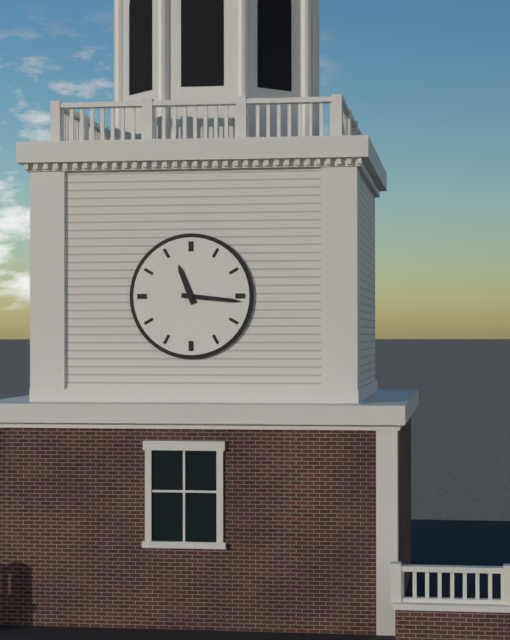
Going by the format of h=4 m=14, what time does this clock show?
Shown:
h=11 m=16
